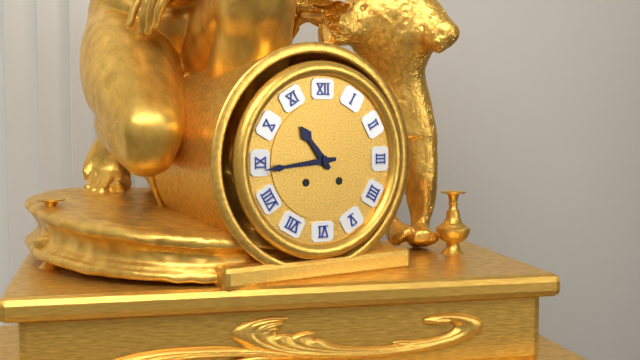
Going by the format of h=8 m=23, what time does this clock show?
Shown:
h=10 m=44
